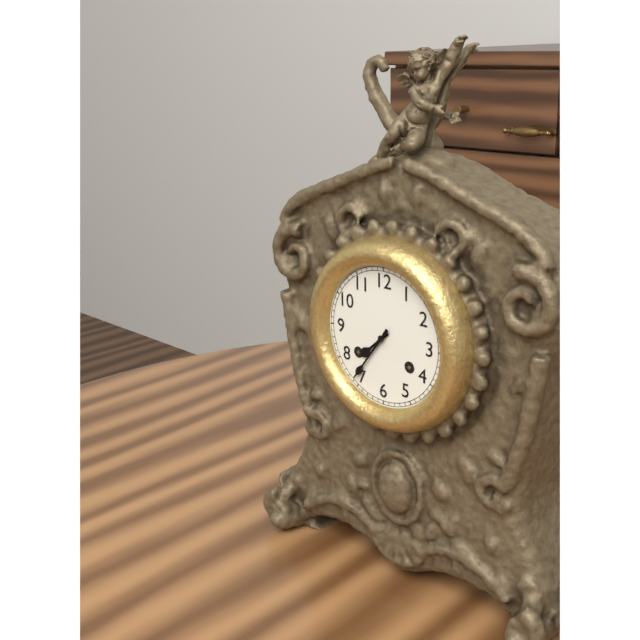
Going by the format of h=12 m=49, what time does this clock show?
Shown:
h=7 m=36
